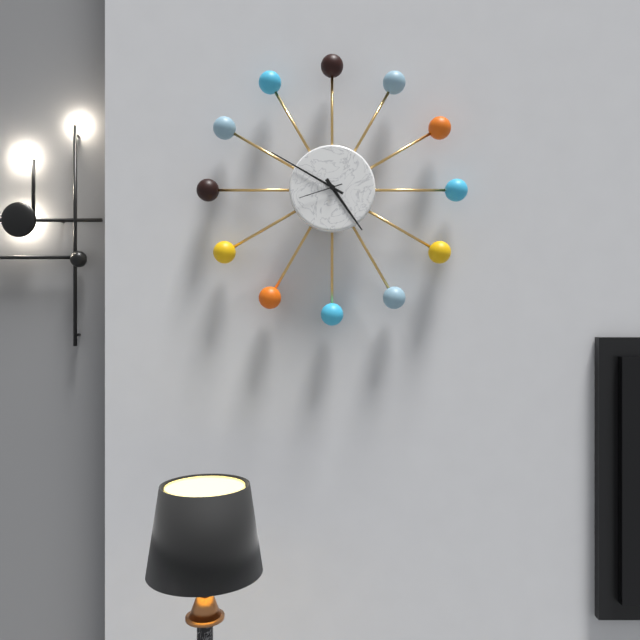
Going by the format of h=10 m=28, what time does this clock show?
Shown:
h=4 m=50
